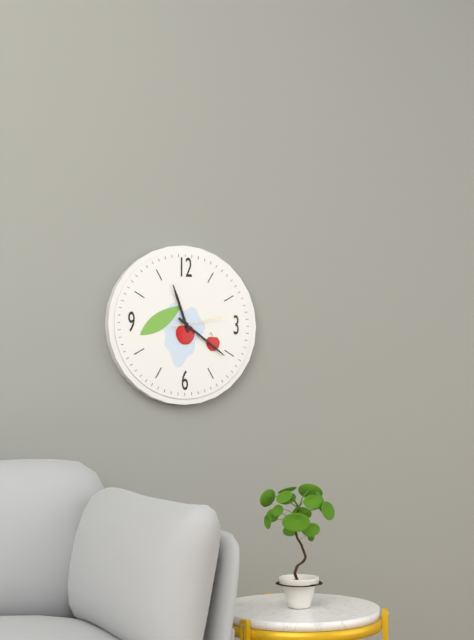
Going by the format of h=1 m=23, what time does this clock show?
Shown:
h=11 m=21
